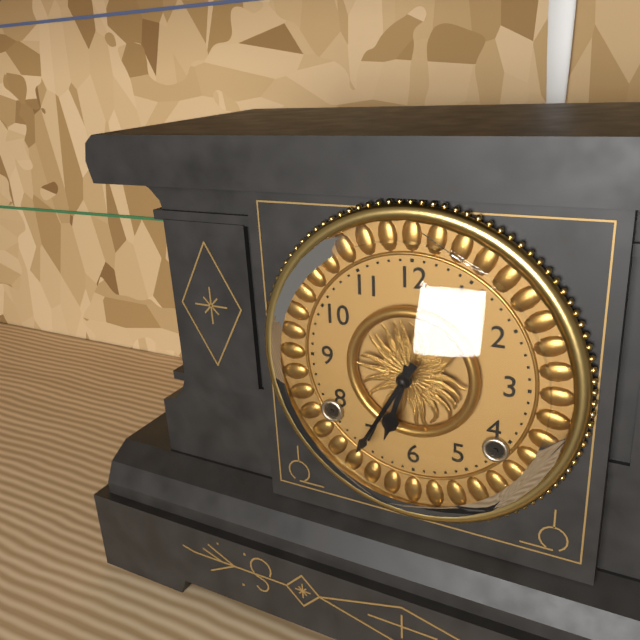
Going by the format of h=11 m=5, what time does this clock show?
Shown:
h=6 m=35
